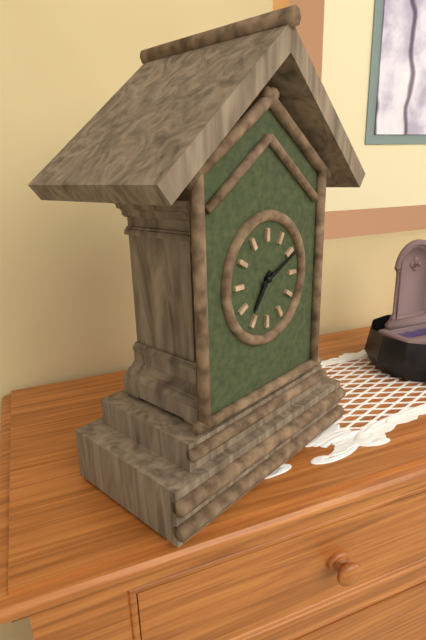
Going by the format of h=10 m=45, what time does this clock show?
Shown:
h=7 m=11
